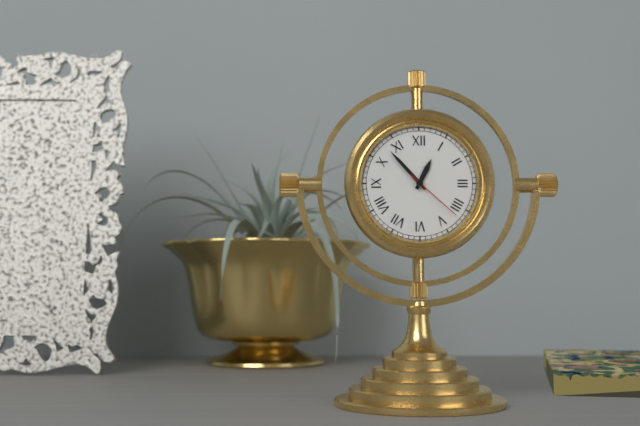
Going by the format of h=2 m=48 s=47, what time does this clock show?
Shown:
h=12 m=53 s=22
